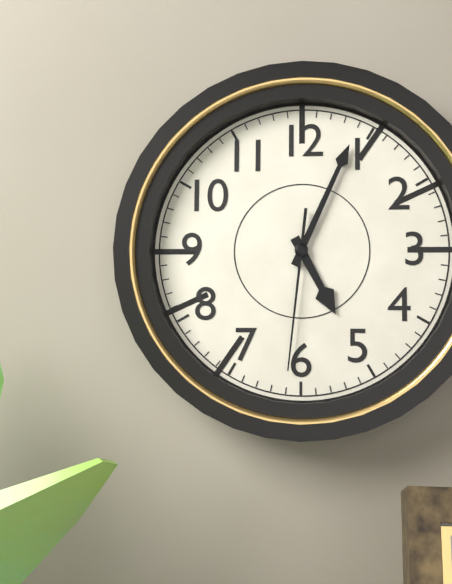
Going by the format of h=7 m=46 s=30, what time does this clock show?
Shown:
h=5 m=4 s=31
